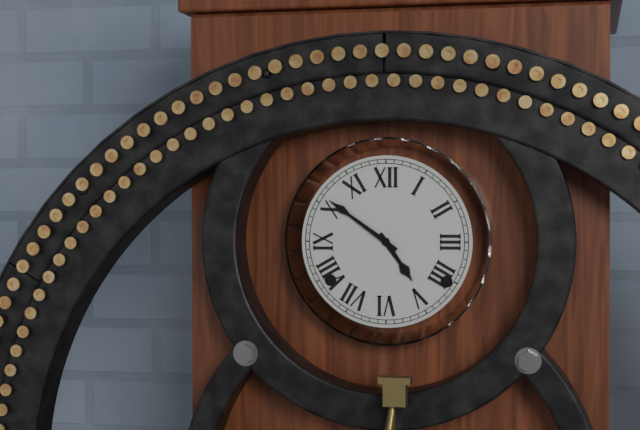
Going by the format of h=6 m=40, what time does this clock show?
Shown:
h=4 m=51
